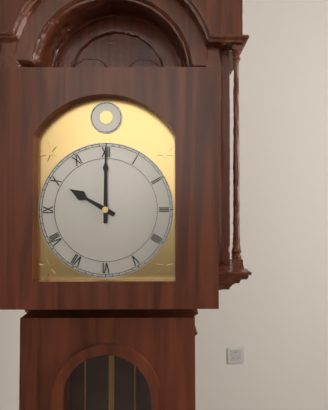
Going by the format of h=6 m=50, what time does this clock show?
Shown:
h=10 m=0
